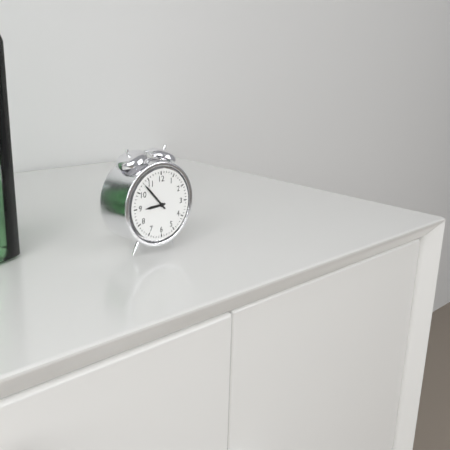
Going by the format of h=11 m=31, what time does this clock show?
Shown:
h=8 m=53
